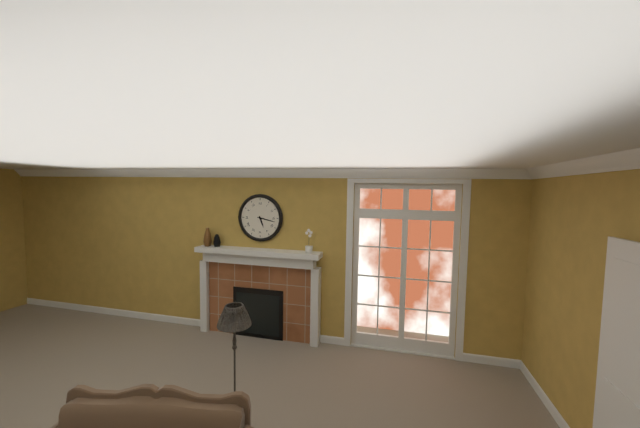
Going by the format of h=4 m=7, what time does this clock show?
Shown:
h=5 m=17
